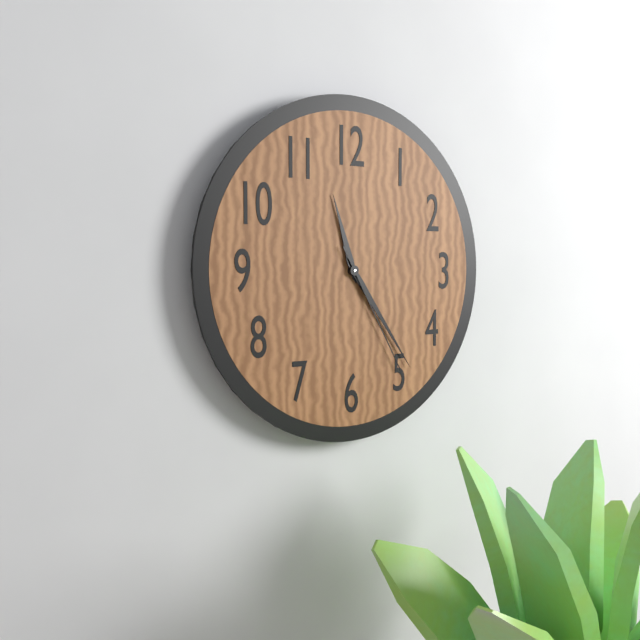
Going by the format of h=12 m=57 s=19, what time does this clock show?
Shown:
h=11 m=24 s=25
